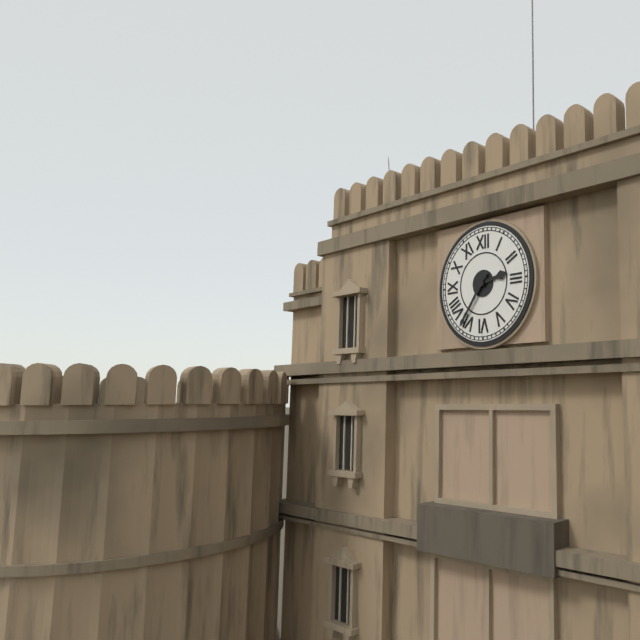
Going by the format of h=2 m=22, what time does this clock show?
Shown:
h=2 m=36
